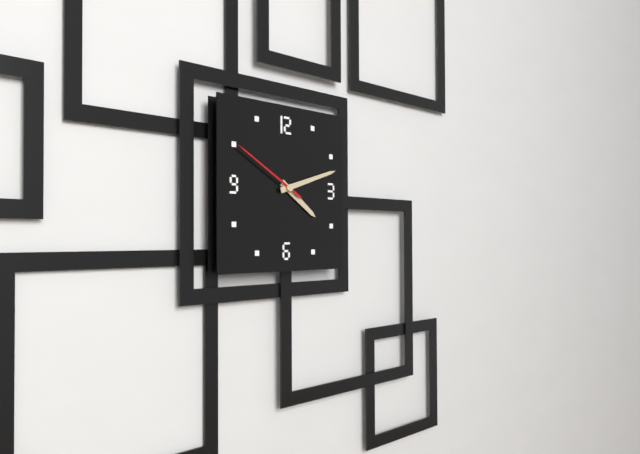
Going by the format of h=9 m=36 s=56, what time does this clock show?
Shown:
h=4 m=12 s=50
